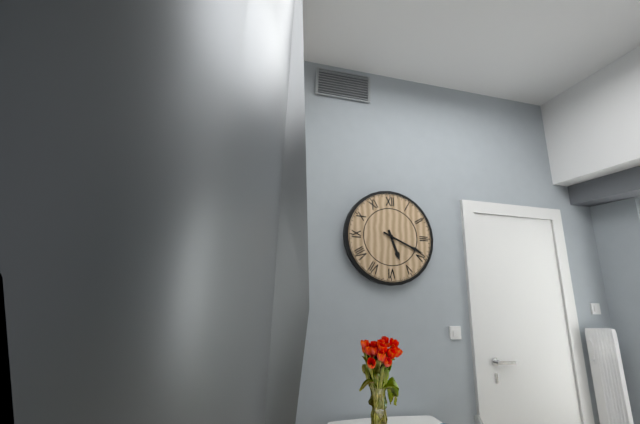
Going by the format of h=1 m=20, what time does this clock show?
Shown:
h=5 m=19
